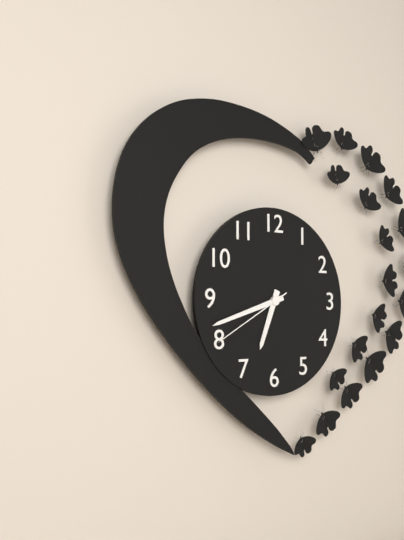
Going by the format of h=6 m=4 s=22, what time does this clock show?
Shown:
h=6 m=42 s=40
